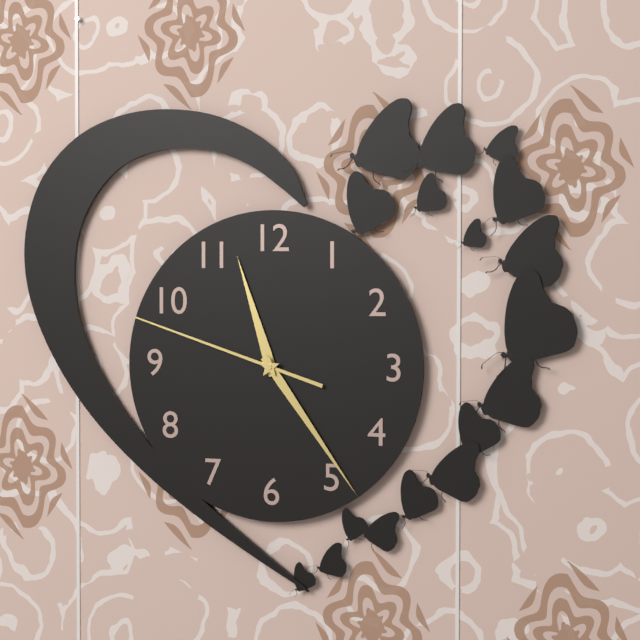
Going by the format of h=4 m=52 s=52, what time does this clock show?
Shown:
h=11 m=24 s=48
